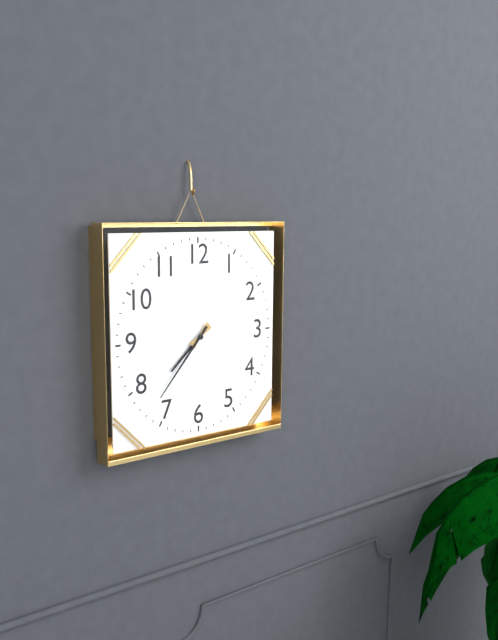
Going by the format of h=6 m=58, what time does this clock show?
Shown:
h=7 m=37
